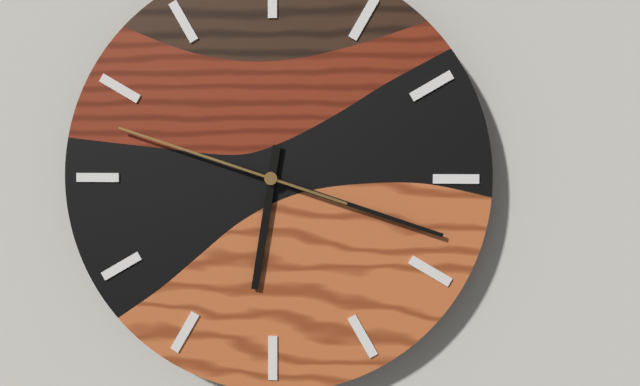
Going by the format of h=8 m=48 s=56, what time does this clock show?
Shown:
h=6 m=18 s=48
